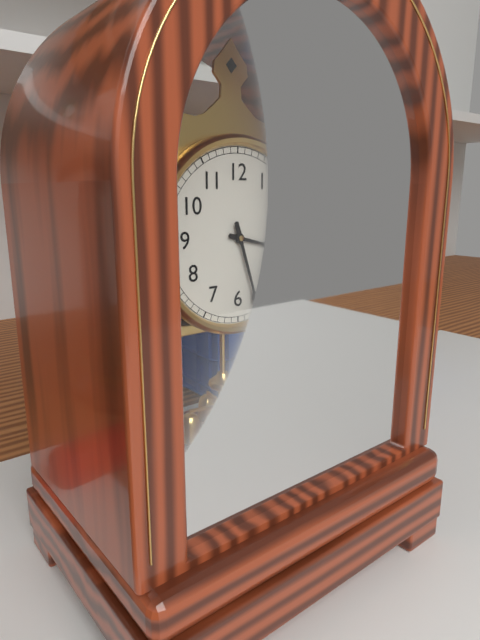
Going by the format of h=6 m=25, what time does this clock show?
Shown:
h=3 m=27
